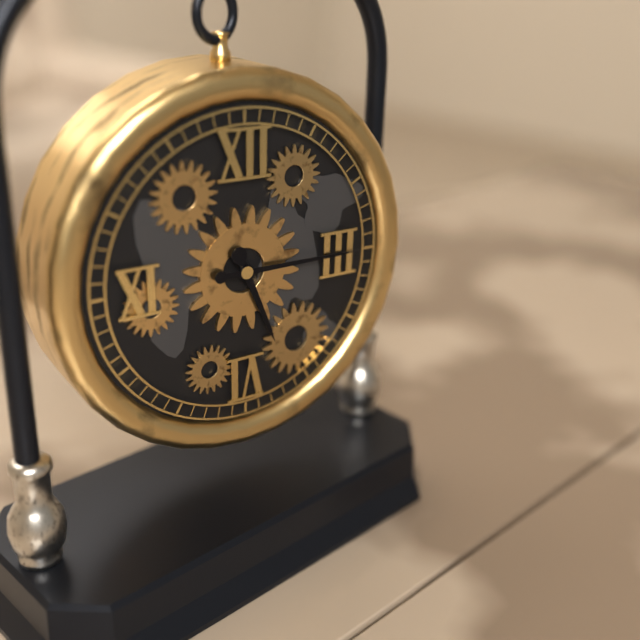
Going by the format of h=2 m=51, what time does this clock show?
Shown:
h=5 m=15
